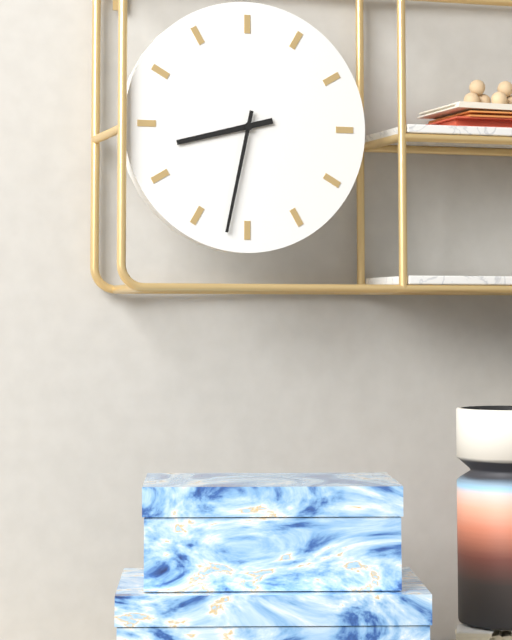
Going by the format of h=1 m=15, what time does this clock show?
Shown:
h=8 m=32
